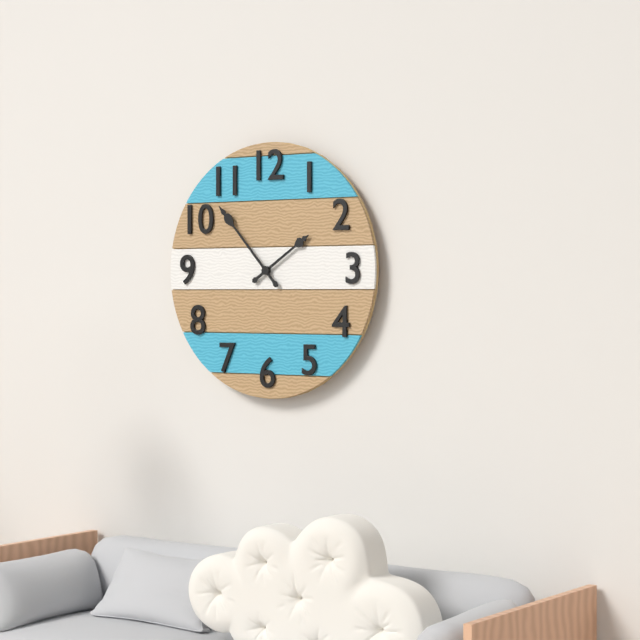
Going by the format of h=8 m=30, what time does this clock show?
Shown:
h=1 m=53
